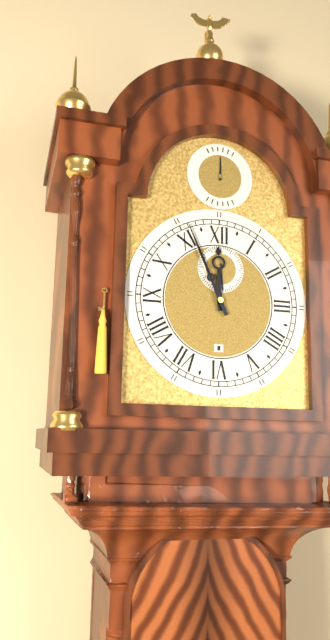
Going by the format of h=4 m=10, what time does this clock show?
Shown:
h=11 m=56
